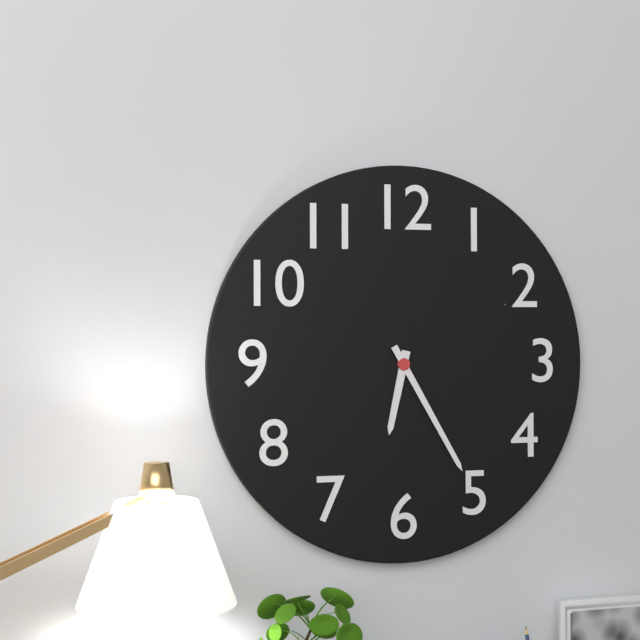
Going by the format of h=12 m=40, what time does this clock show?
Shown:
h=6 m=25
